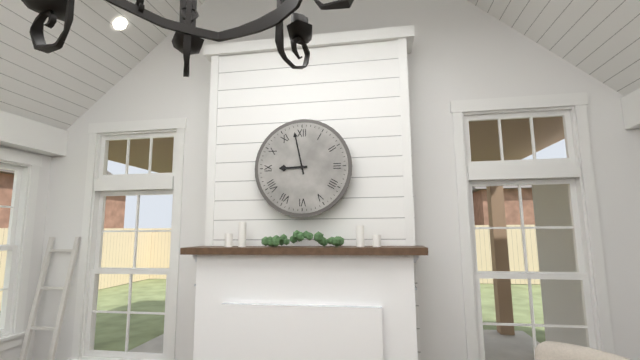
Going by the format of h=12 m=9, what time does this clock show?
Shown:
h=8 m=58
